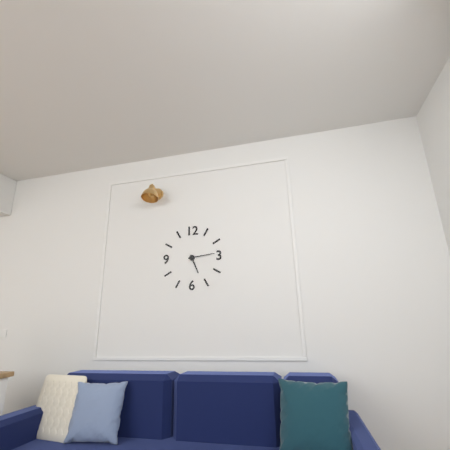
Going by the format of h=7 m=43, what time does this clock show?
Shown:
h=5 m=14
